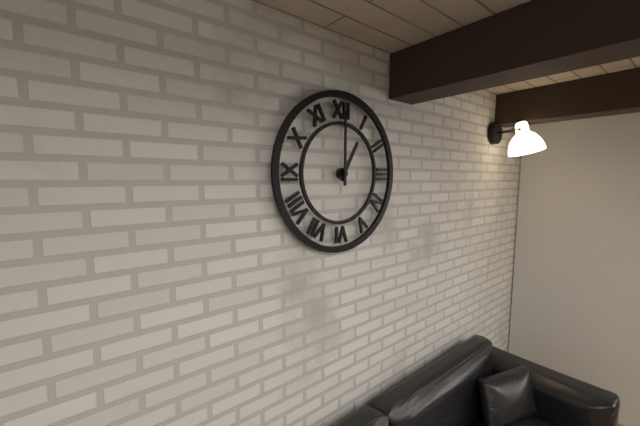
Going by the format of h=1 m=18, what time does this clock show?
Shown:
h=1 m=0
